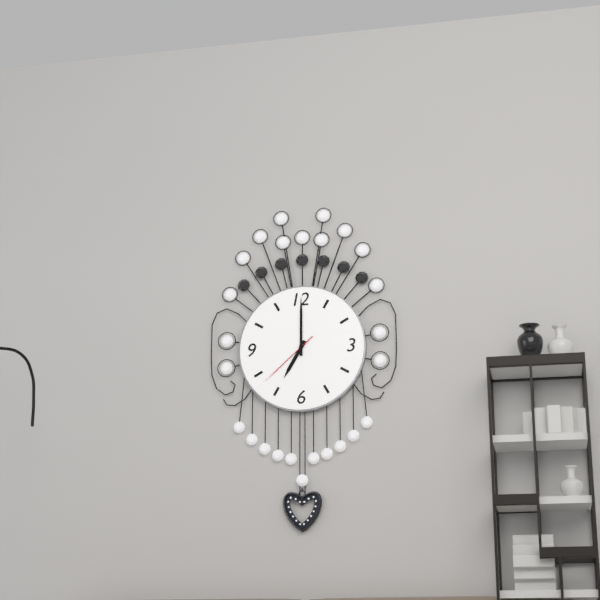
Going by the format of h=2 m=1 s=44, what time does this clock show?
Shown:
h=7 m=0 s=38
